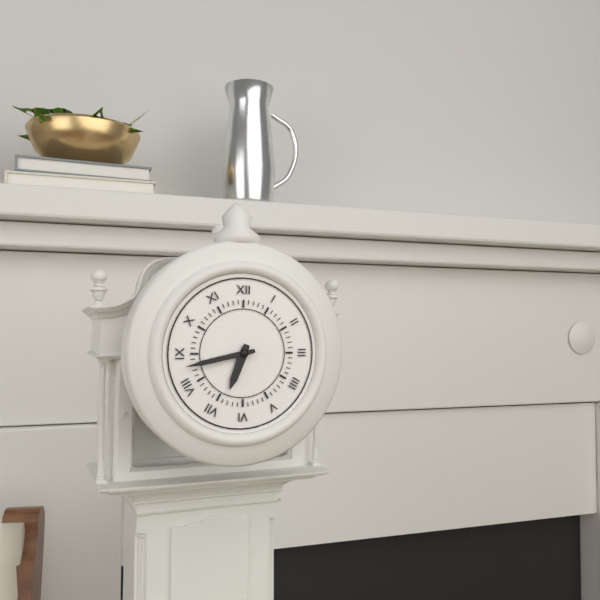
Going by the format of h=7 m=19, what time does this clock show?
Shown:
h=6 m=43
